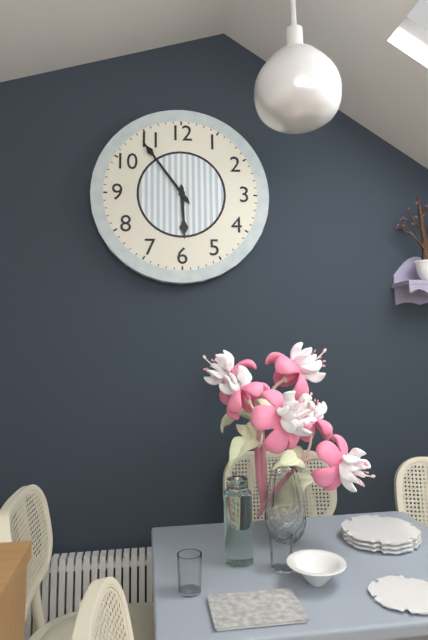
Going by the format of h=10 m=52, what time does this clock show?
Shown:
h=5 m=54
